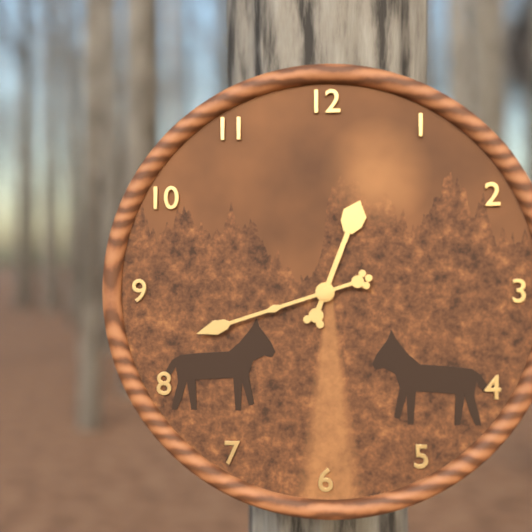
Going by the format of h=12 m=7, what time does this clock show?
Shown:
h=12 m=42
